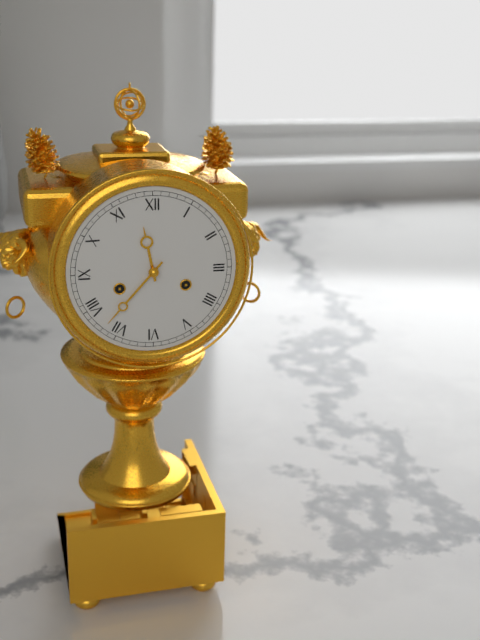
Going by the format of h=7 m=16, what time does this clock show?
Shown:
h=11 m=37
